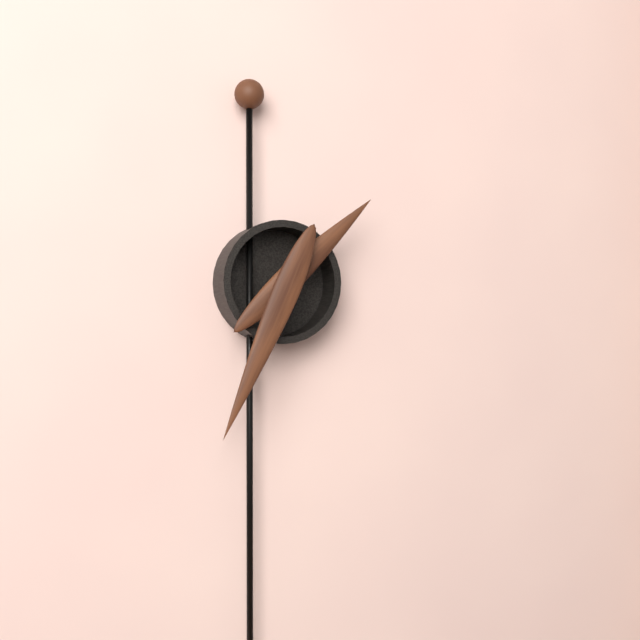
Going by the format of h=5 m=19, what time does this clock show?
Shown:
h=1 m=34
